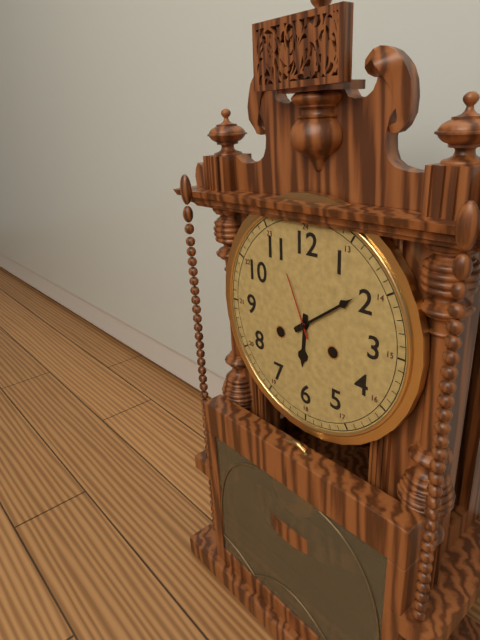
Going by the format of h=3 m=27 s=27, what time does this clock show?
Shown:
h=6 m=9 s=56
